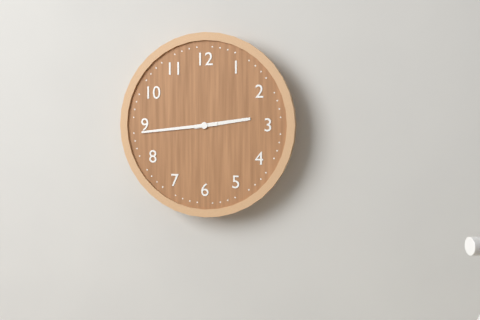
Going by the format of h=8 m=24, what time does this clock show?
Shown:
h=2 m=44
